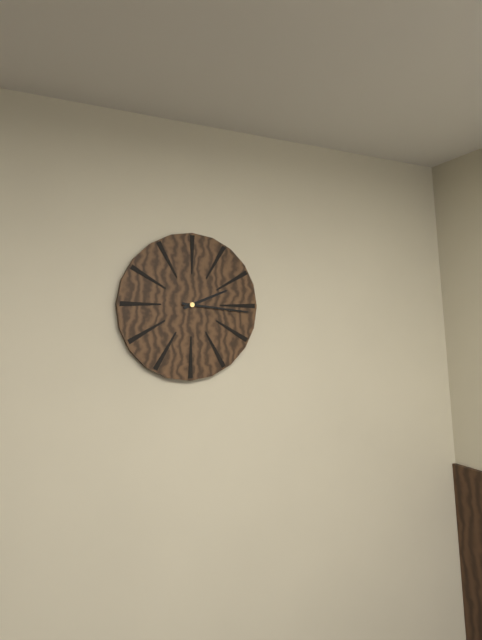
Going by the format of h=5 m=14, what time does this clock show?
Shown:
h=2 m=16
